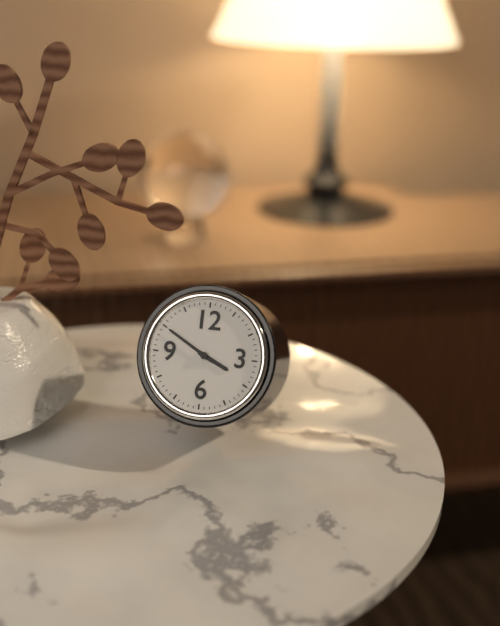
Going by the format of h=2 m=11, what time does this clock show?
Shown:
h=3 m=50
